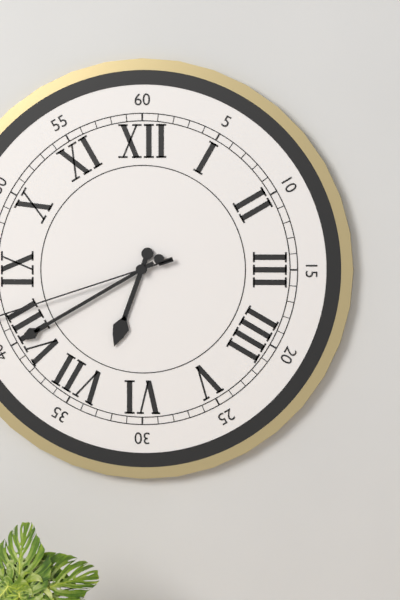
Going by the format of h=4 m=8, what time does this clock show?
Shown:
h=6 m=40
